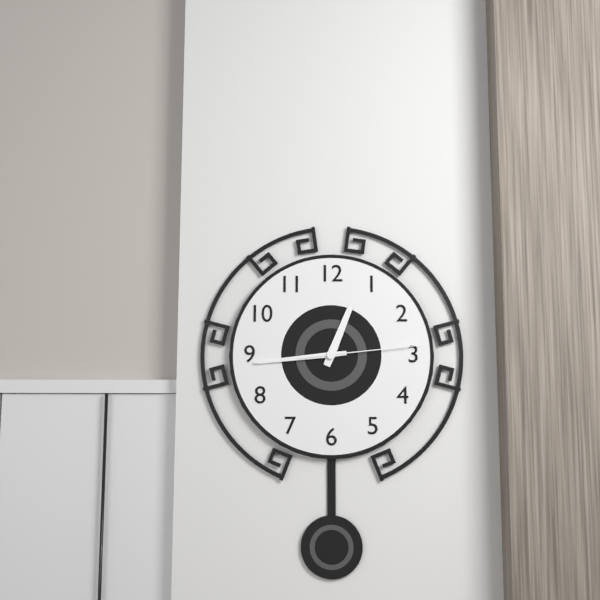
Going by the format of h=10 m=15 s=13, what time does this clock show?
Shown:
h=12 m=44 s=14
